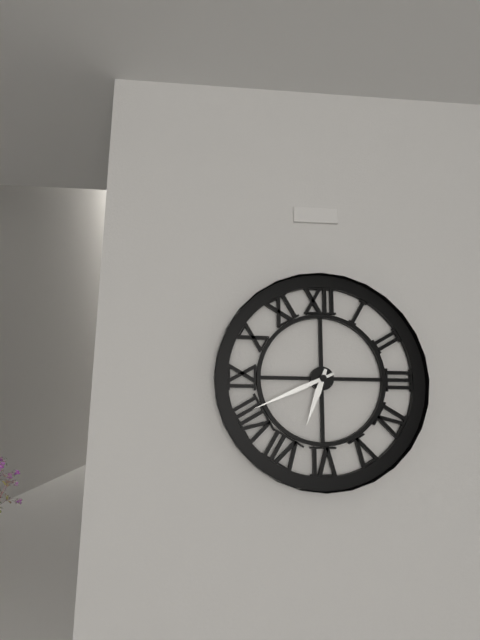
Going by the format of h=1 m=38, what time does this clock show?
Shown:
h=6 m=41
